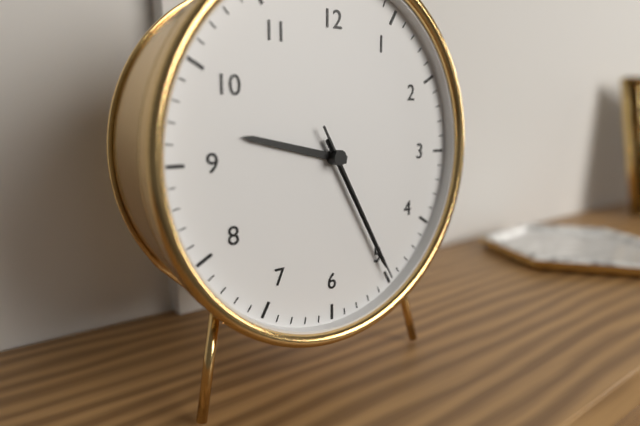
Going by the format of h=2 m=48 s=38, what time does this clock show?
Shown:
h=9 m=25 s=25
